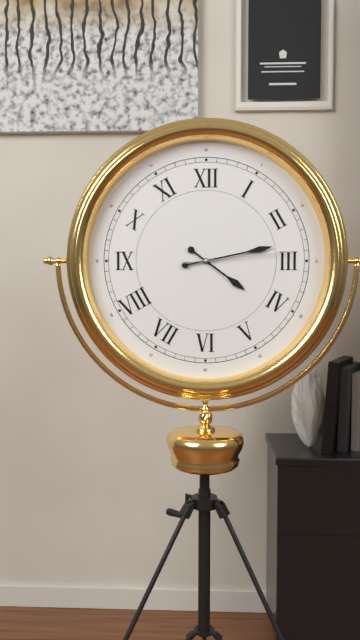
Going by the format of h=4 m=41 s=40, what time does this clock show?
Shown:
h=4 m=13 s=14
